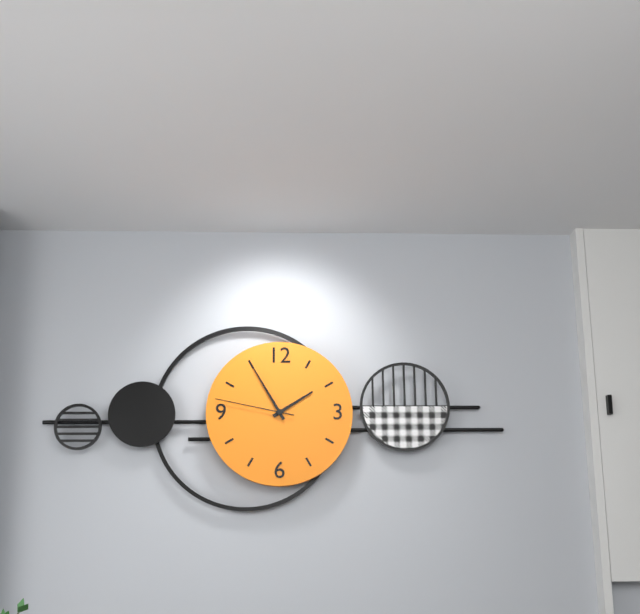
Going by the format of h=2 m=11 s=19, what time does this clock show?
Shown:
h=1 m=55 s=47
